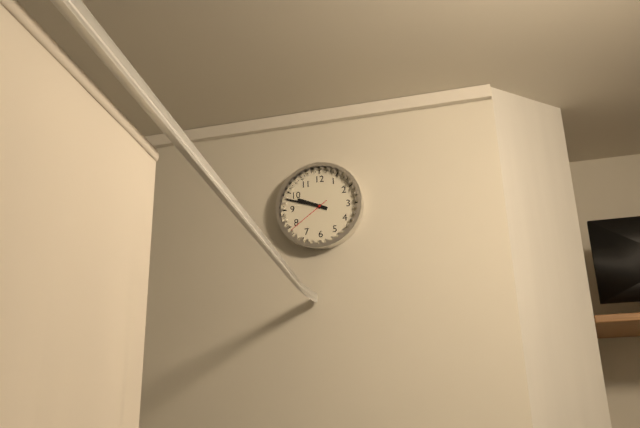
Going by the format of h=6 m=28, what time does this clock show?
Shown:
h=9 m=48
